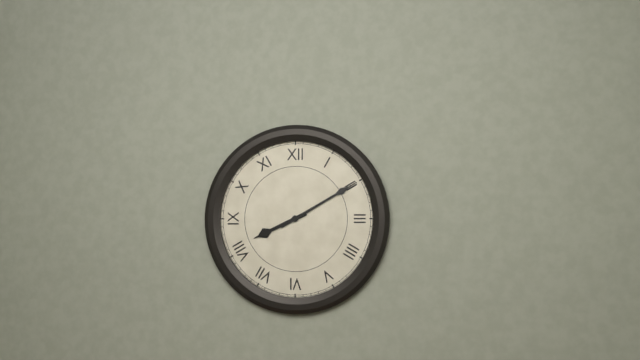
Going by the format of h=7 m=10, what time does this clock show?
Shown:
h=8 m=10
